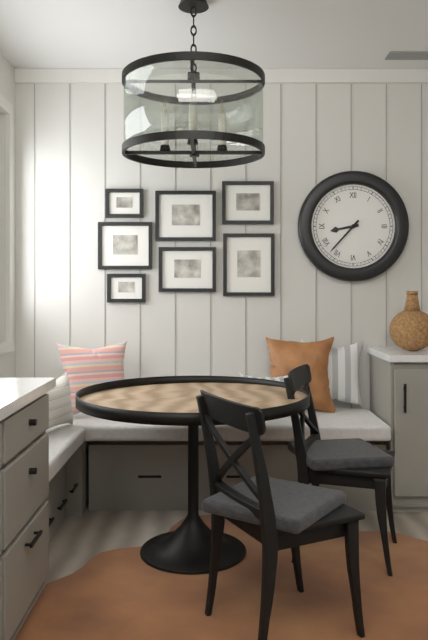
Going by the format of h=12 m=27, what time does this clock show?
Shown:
h=8 m=37
